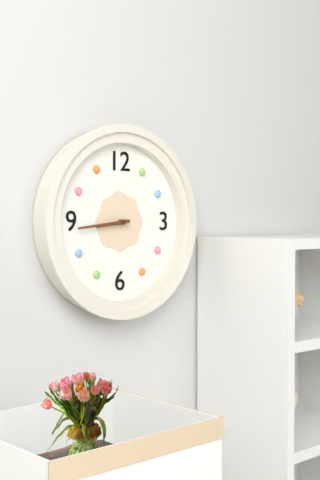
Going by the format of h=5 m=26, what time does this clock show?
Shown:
h=8 m=44
